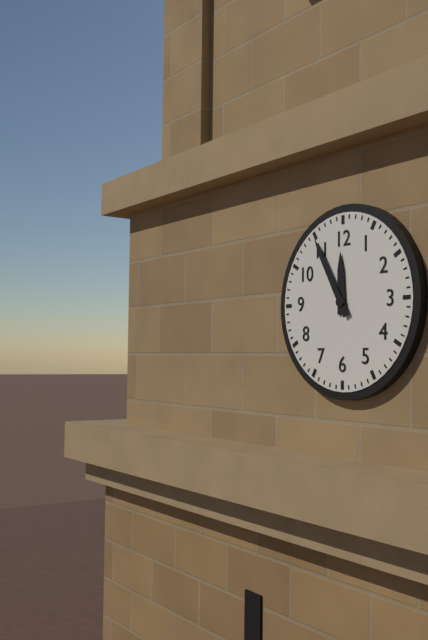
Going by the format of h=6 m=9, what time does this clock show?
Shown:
h=11 m=55
